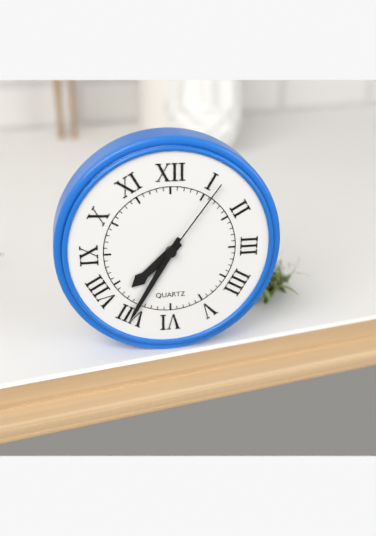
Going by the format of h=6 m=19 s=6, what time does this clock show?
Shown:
h=7 m=35 s=6
